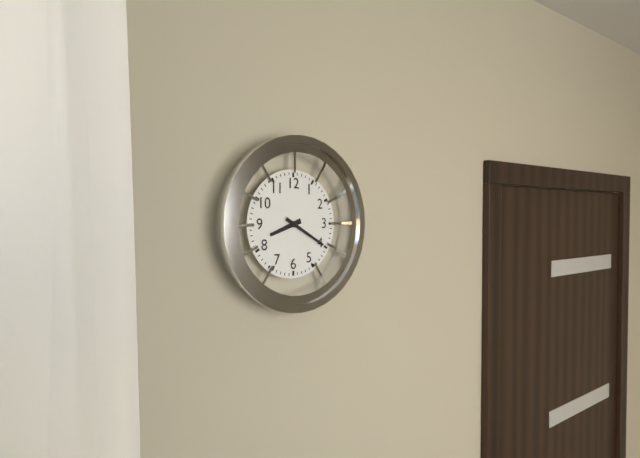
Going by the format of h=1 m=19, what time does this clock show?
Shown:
h=8 m=20
